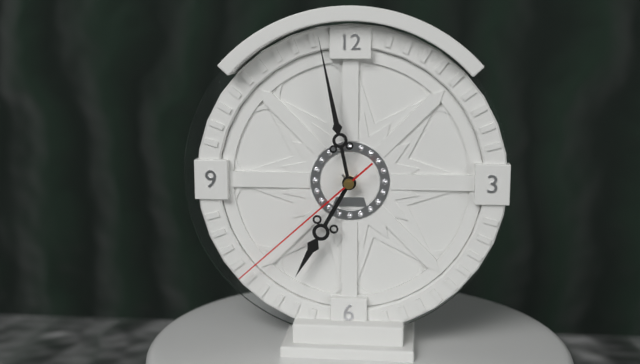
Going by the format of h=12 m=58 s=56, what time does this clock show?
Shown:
h=6 m=58 s=38
